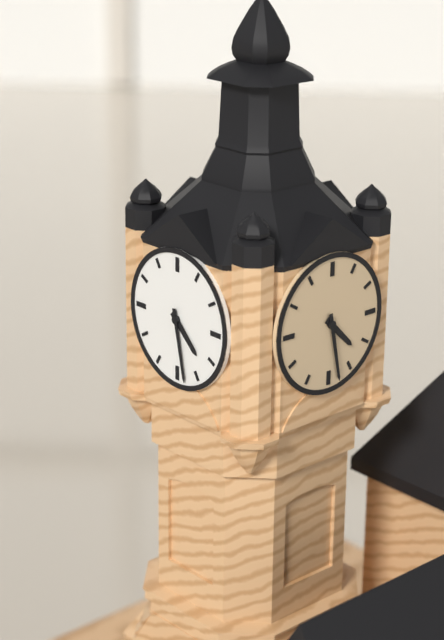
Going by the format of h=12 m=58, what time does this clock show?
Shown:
h=4 m=28
